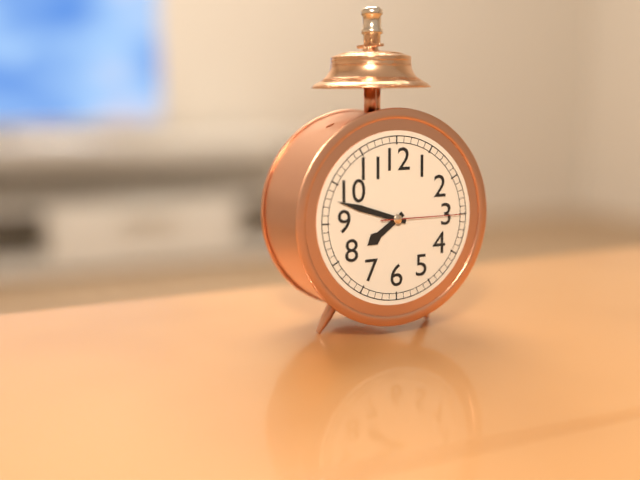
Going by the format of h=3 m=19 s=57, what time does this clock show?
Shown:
h=7 m=48 s=15
